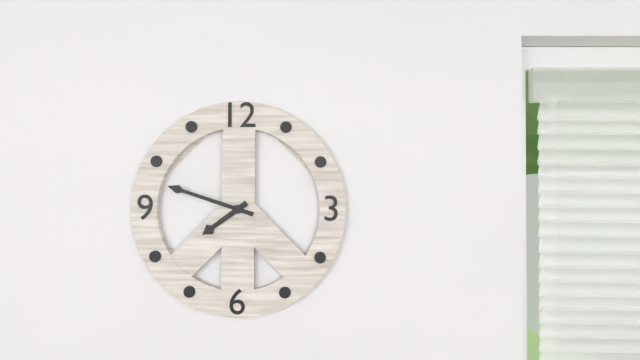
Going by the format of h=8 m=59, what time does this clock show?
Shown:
h=7 m=48
